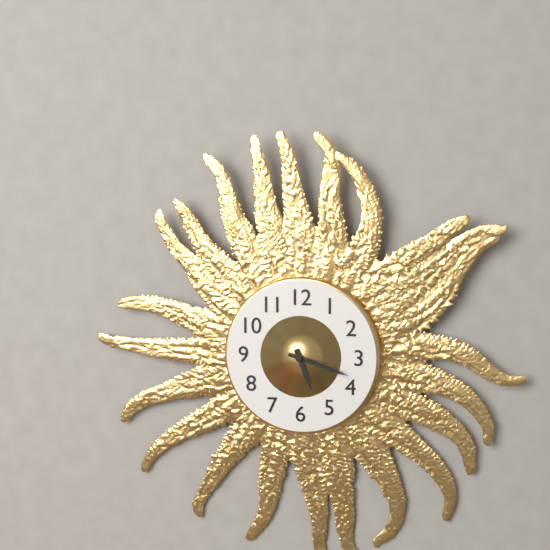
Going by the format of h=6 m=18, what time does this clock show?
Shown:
h=5 m=18
